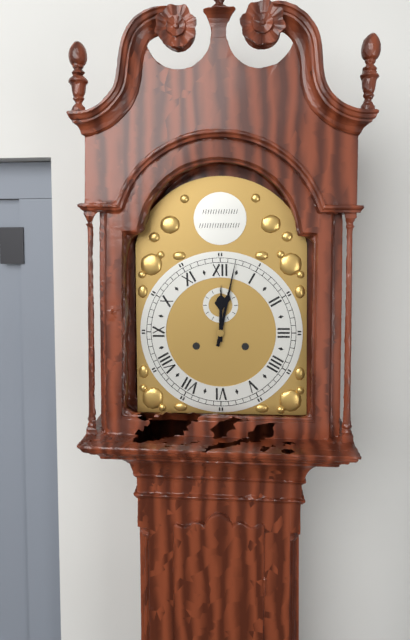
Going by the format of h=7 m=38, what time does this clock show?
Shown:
h=12 m=2
